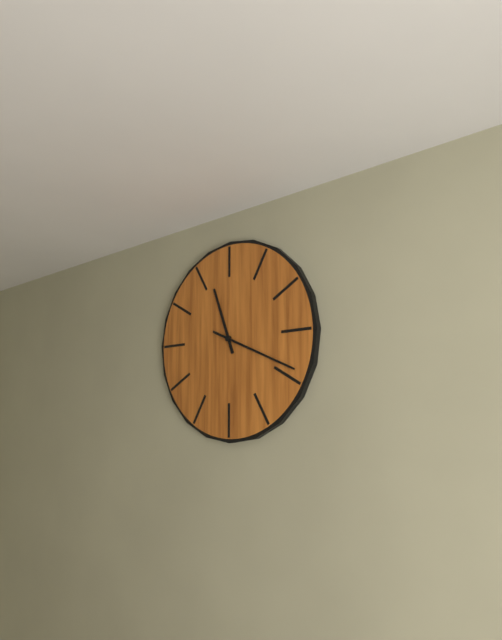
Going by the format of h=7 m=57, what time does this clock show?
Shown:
h=11 m=19
